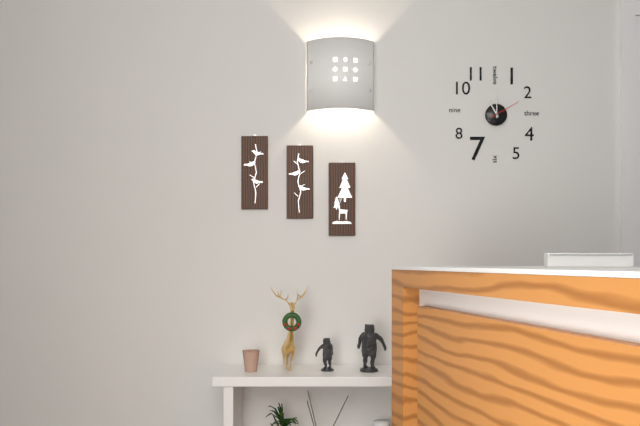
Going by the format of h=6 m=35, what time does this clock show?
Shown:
h=11 m=0
